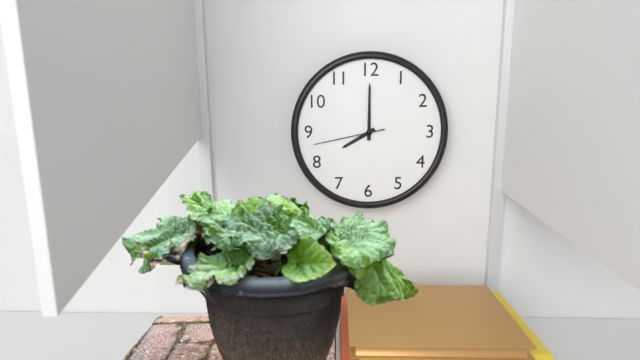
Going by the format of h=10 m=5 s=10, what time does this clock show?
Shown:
h=8 m=0 s=43
